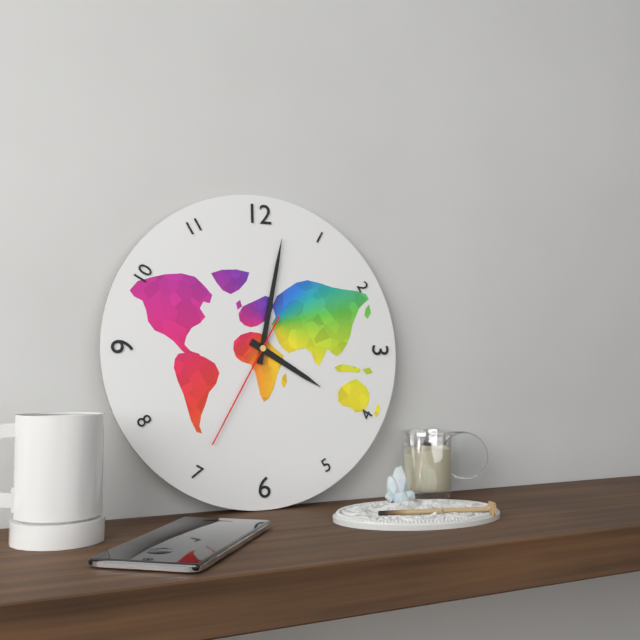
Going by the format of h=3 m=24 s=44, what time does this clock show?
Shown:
h=4 m=2 s=35
